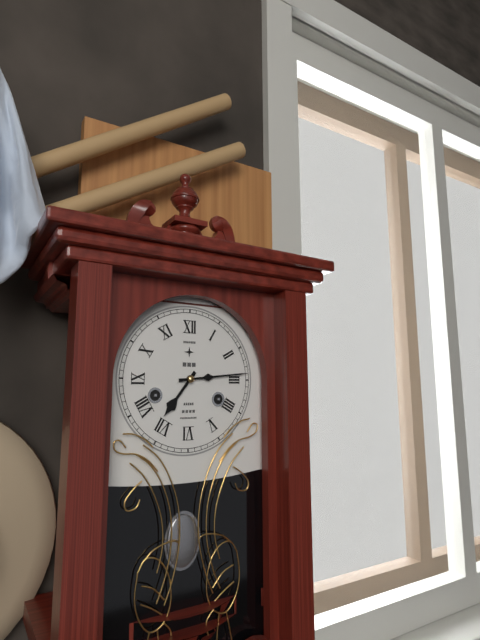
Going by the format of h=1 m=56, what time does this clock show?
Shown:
h=7 m=14
